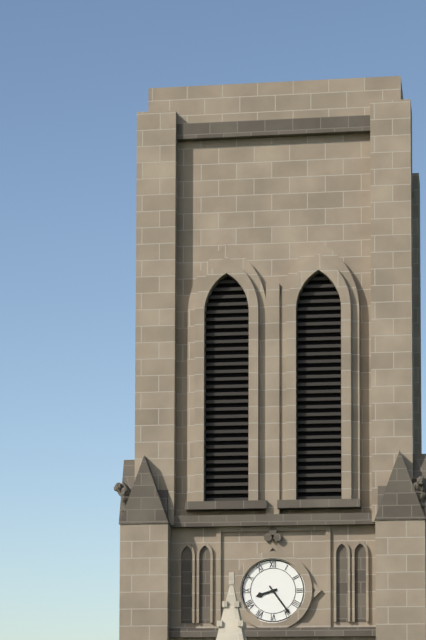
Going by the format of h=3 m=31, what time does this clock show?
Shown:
h=8 m=24
